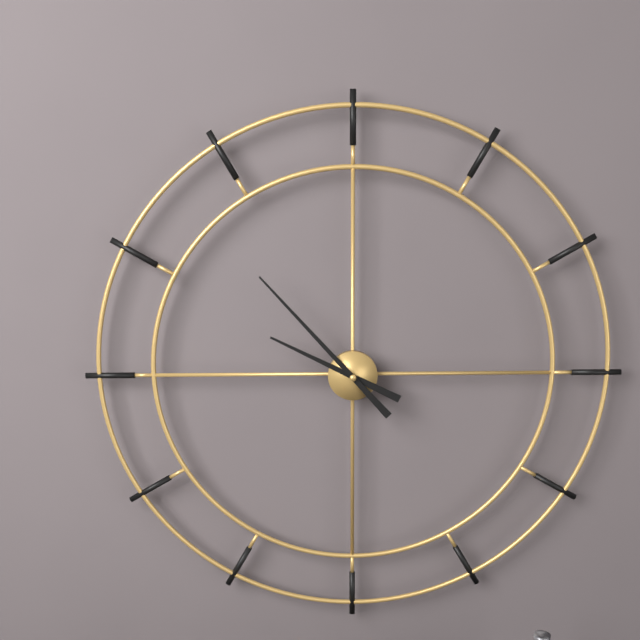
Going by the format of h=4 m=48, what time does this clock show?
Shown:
h=9 m=53
